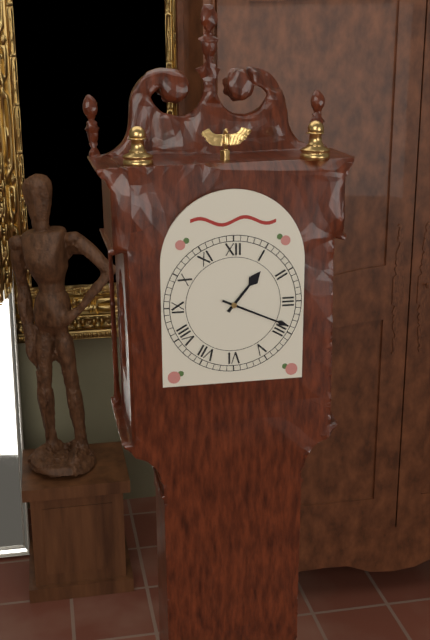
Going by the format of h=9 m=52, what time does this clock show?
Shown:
h=1 m=19
